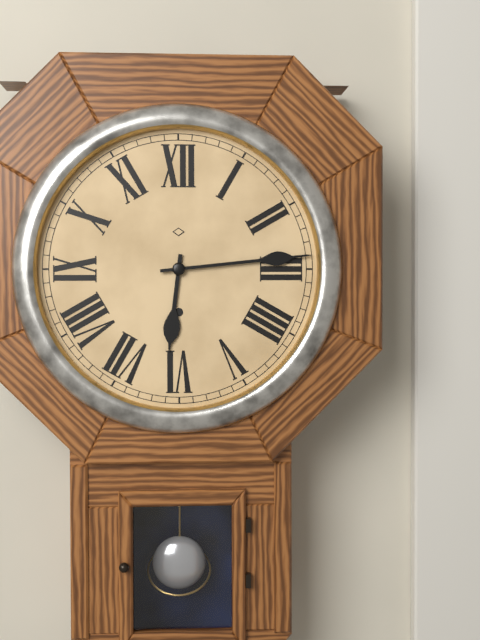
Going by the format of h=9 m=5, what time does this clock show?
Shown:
h=6 m=14
